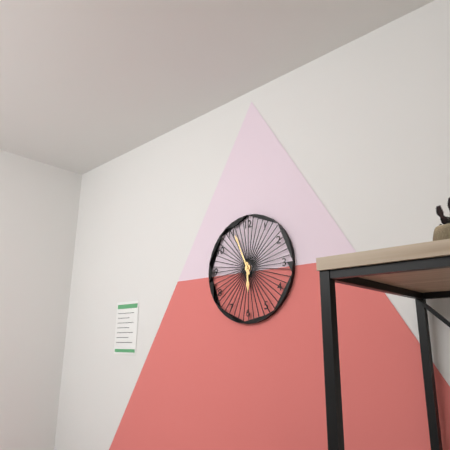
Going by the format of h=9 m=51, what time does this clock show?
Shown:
h=5 m=56
